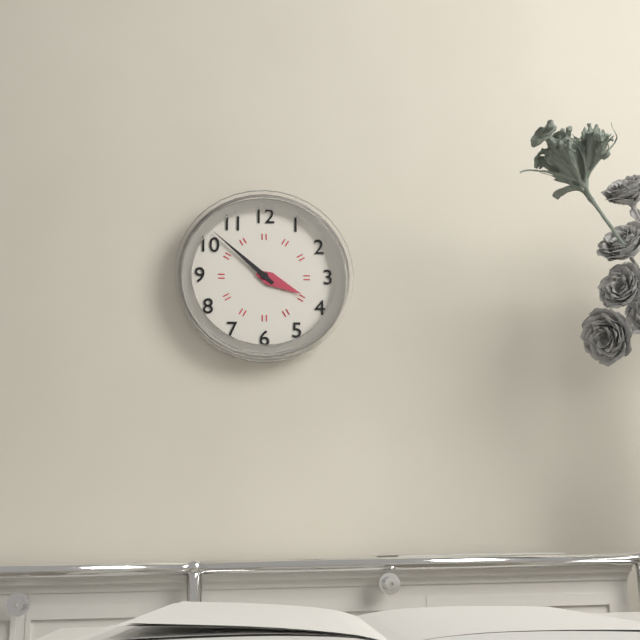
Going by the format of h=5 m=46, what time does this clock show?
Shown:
h=3 m=52
